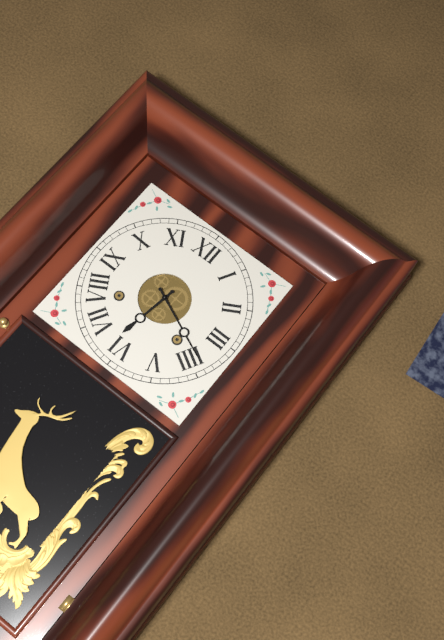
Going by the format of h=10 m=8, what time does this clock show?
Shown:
h=6 m=19
